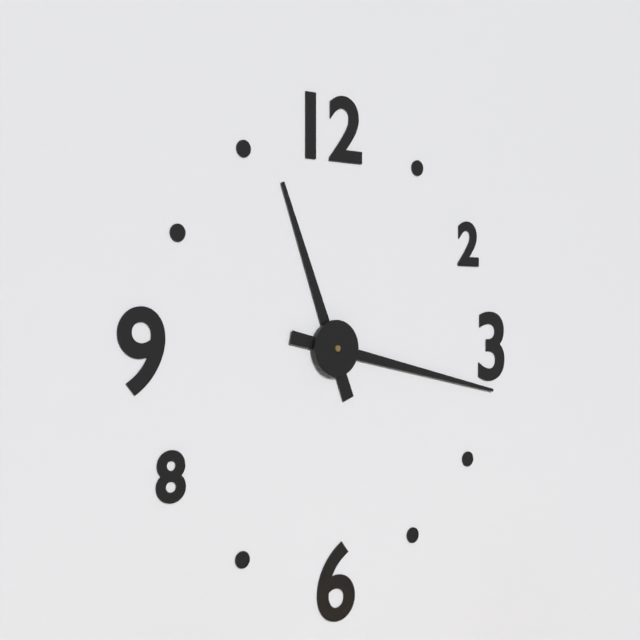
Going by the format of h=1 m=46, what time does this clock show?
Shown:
h=11 m=17
